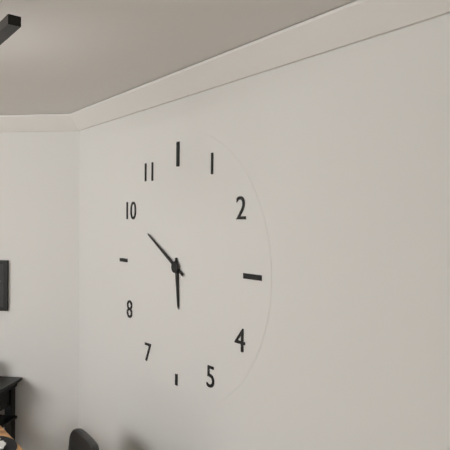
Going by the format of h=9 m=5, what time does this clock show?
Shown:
h=5 m=50
